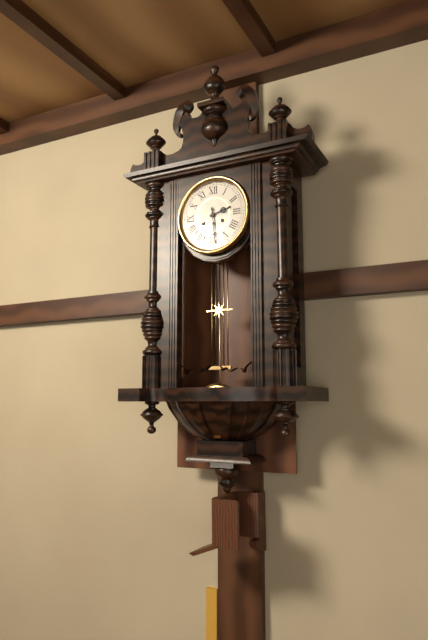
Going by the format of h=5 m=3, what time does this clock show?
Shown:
h=2 m=29
